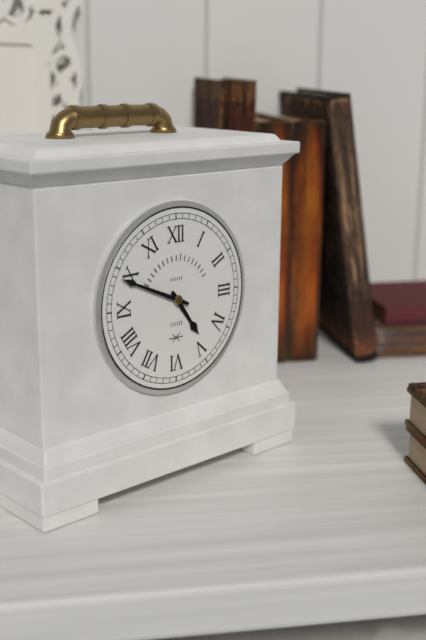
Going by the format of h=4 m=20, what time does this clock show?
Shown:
h=4 m=49
